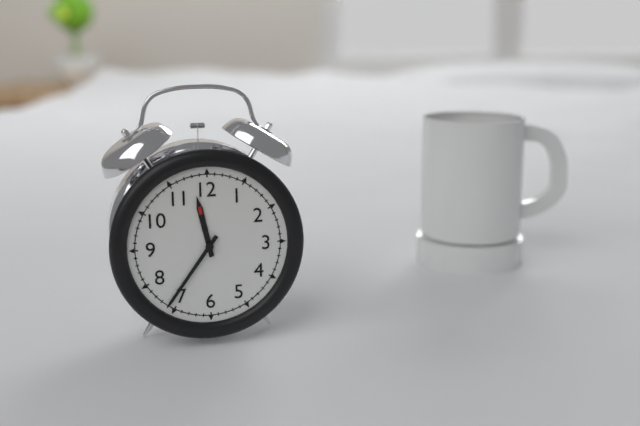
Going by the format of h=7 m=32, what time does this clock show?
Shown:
h=11 m=36
